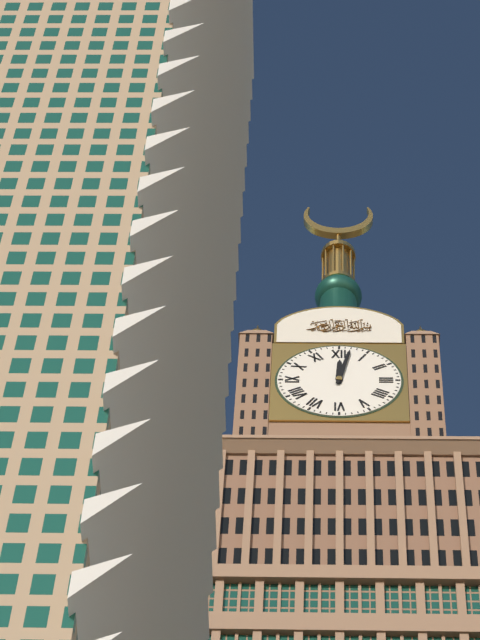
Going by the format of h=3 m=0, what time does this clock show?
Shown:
h=12 m=2
